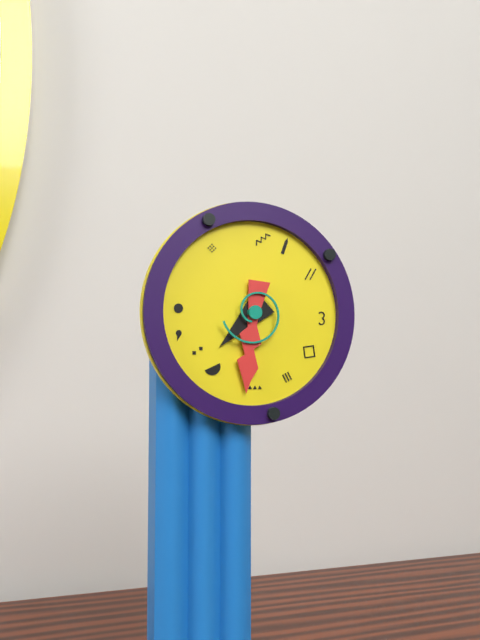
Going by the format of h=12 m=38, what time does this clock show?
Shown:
h=7 m=31
